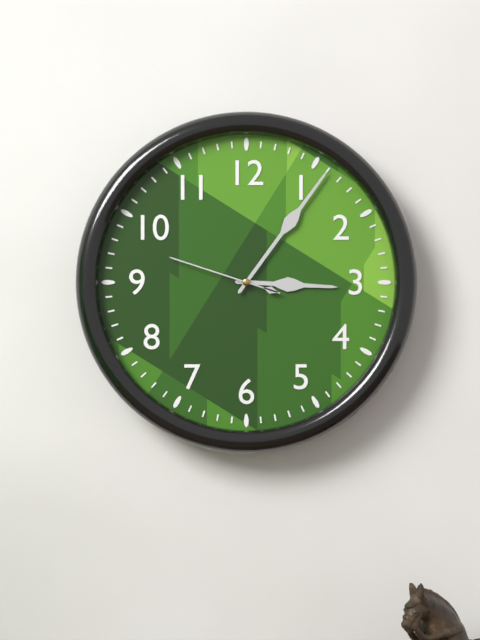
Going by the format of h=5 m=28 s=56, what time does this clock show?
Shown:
h=3 m=6 s=48
